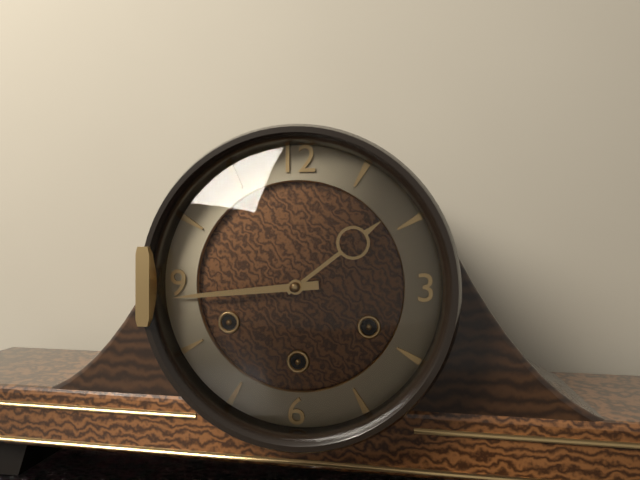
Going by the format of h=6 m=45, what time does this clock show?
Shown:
h=1 m=44
